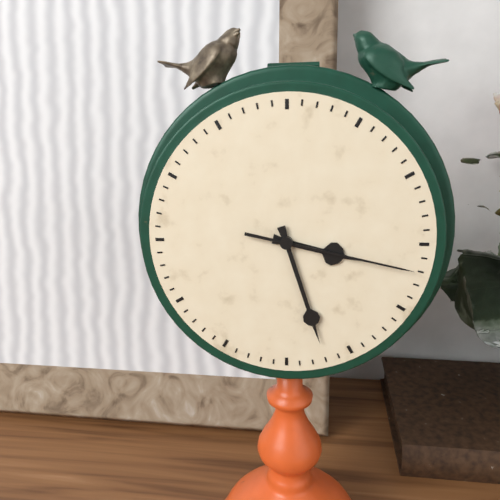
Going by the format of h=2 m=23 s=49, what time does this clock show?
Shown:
h=3 m=27 s=17
